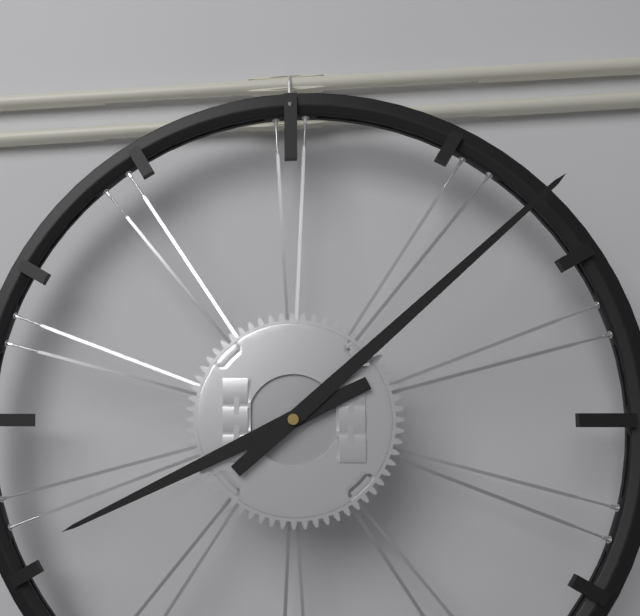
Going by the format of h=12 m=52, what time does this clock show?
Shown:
h=8 m=8
